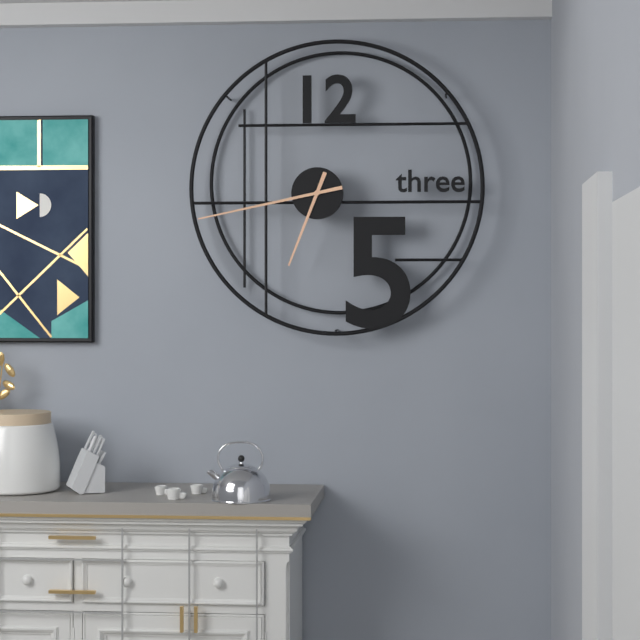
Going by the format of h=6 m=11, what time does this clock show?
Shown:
h=6 m=43
